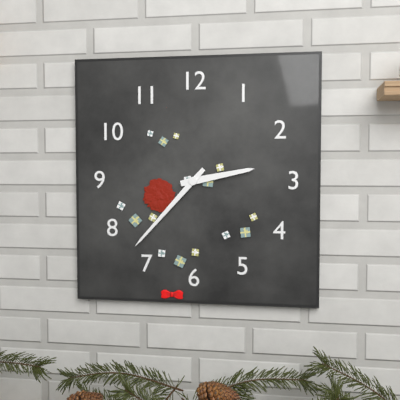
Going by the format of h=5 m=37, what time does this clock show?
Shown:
h=2 m=37
